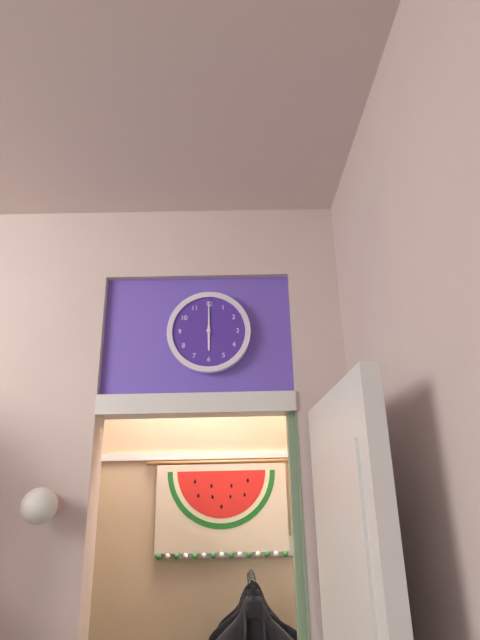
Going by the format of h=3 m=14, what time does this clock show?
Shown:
h=6 m=0
